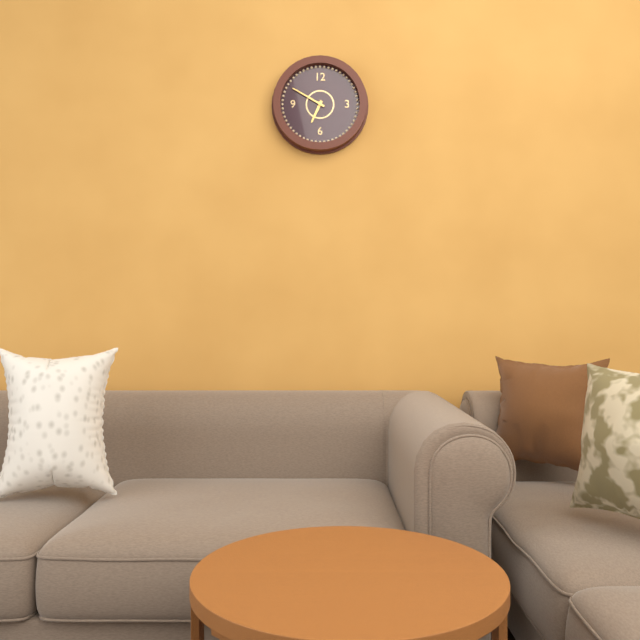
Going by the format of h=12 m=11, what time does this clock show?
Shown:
h=6 m=50
